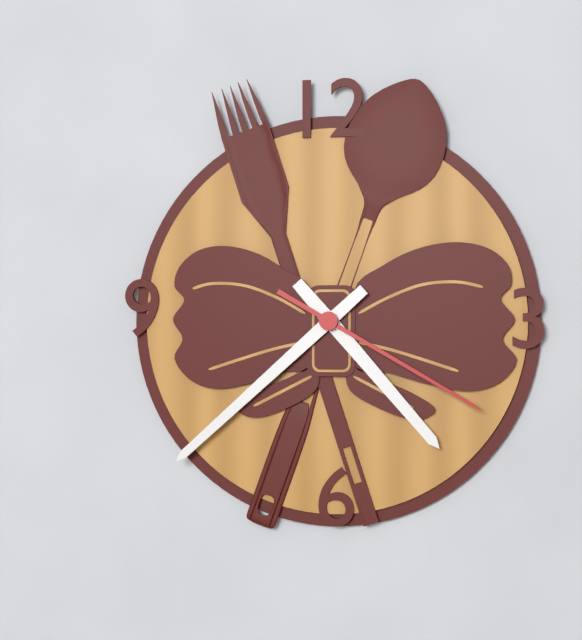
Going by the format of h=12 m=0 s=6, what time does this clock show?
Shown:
h=4 m=38 s=20
